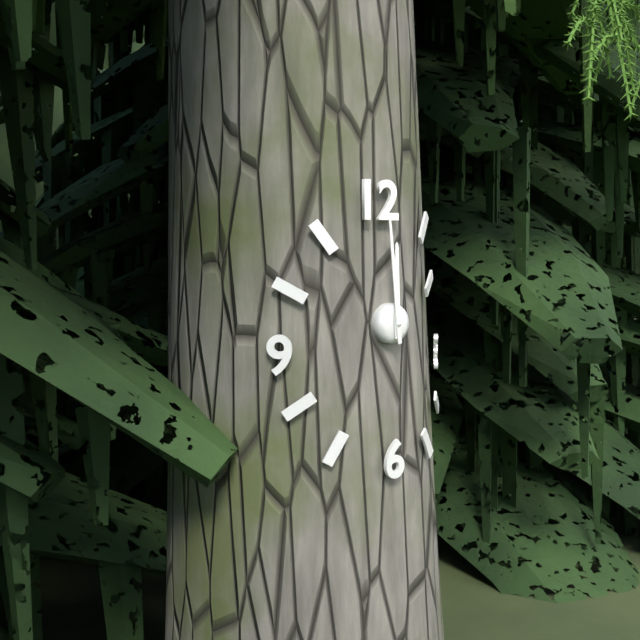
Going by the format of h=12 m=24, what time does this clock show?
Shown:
h=11 m=59
